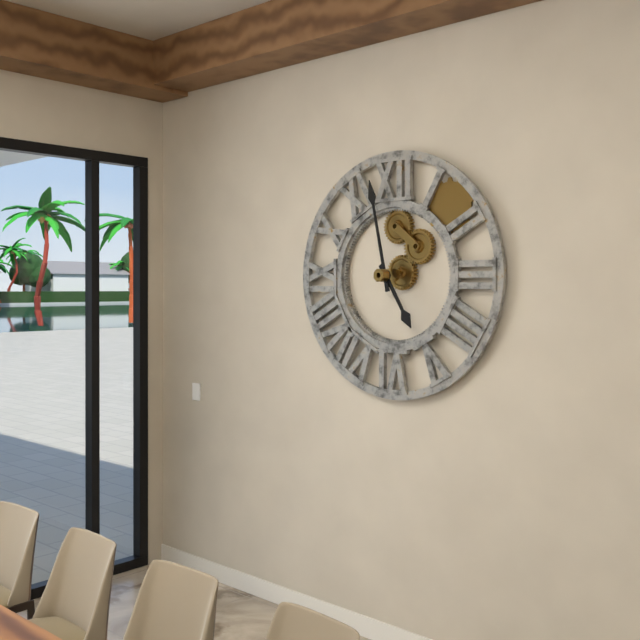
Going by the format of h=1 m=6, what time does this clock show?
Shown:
h=4 m=58
